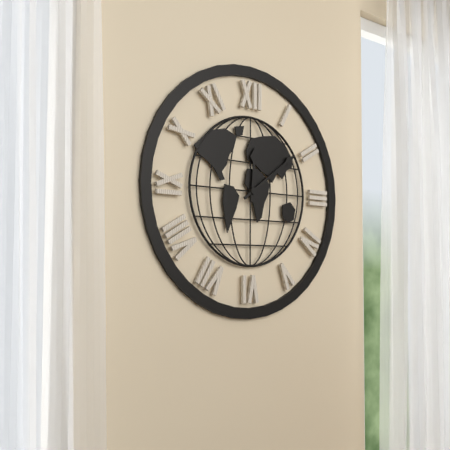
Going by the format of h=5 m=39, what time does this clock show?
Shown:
h=12 m=9
